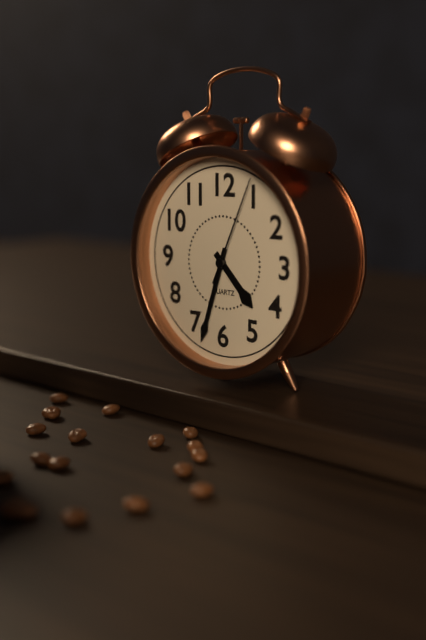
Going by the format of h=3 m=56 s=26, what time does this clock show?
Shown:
h=4 m=33 s=4
